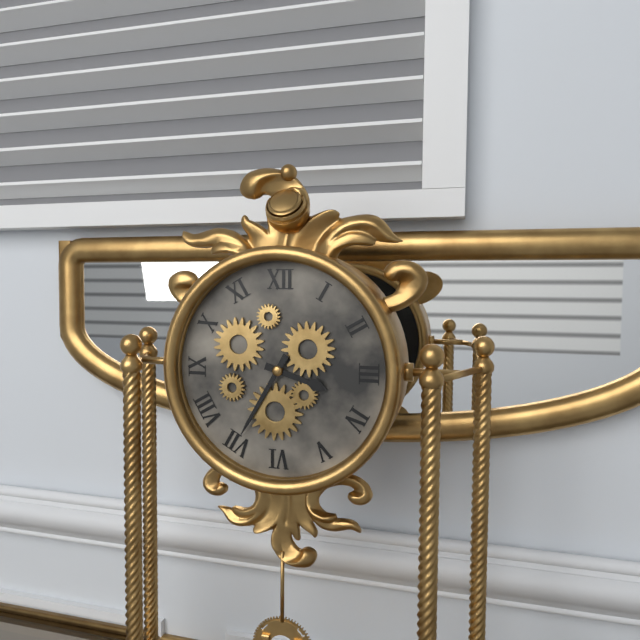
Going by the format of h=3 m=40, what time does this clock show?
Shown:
h=3 m=35
